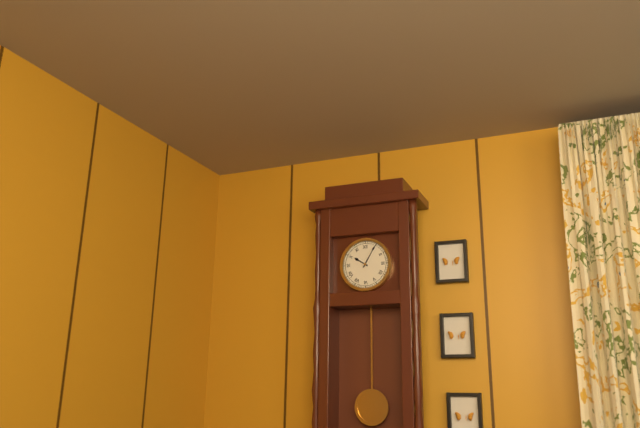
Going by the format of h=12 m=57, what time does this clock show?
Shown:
h=10 m=5
